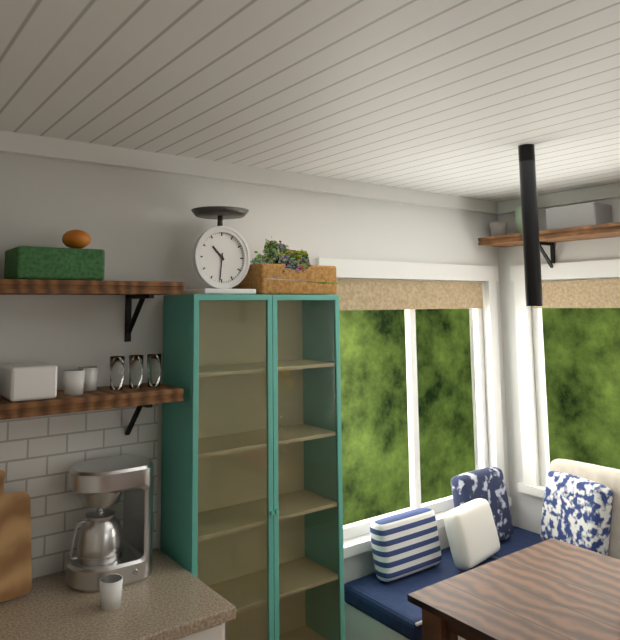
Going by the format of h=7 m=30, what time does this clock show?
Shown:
h=10 m=31
